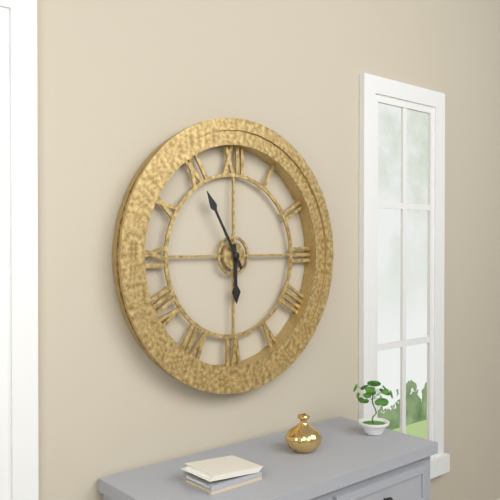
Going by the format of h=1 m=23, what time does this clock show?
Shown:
h=5 m=55
